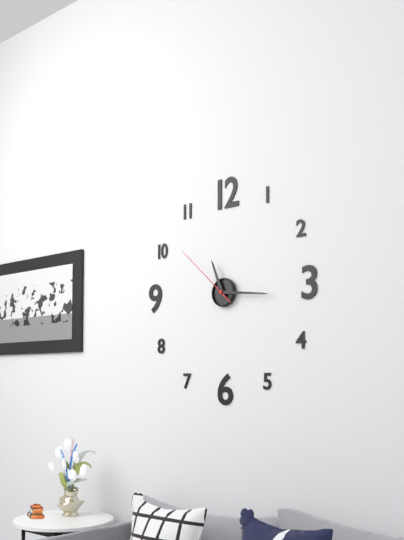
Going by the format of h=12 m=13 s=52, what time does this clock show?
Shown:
h=11 m=16 s=52
